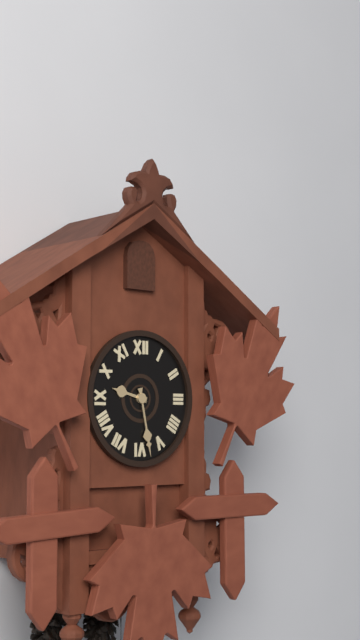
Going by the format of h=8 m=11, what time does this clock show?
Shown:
h=9 m=28
